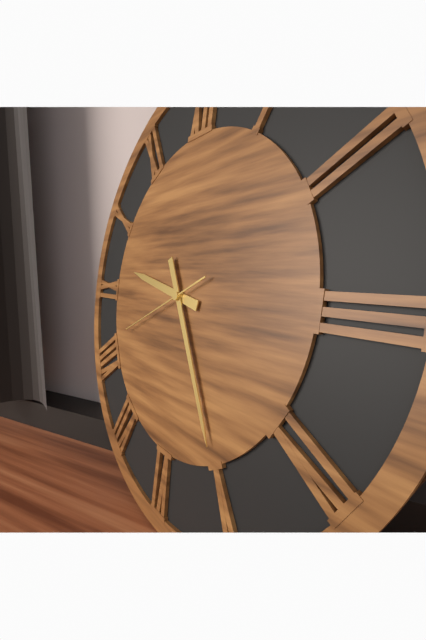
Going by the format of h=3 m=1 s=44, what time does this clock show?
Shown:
h=9 m=25 s=41
